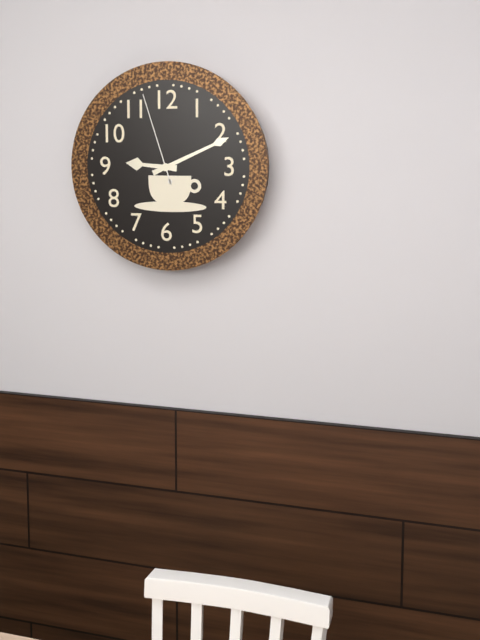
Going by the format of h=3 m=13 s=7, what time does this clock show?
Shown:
h=9 m=11 s=57
